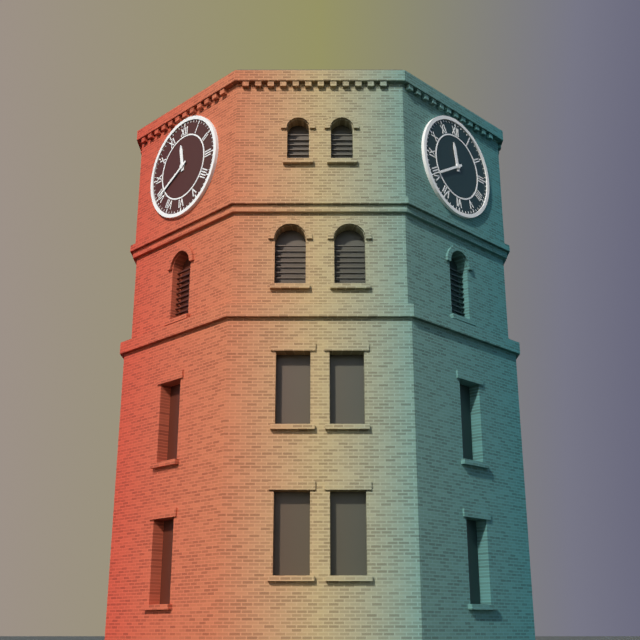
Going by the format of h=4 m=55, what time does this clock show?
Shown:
h=11 m=40
